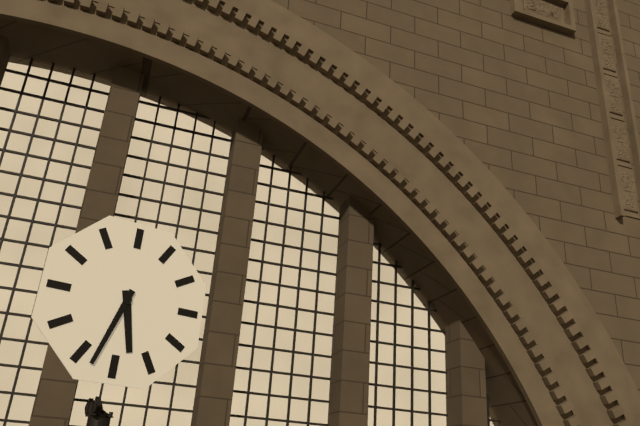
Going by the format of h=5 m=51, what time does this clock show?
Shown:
h=5 m=33
